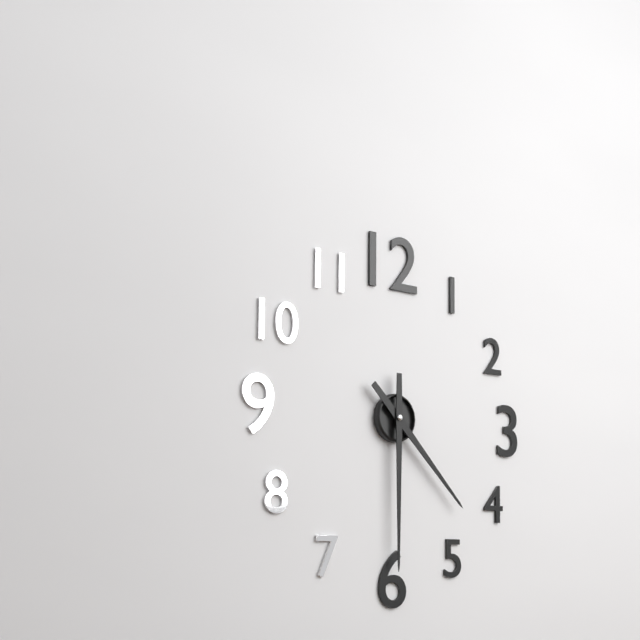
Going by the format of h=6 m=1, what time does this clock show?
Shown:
h=4 m=30
